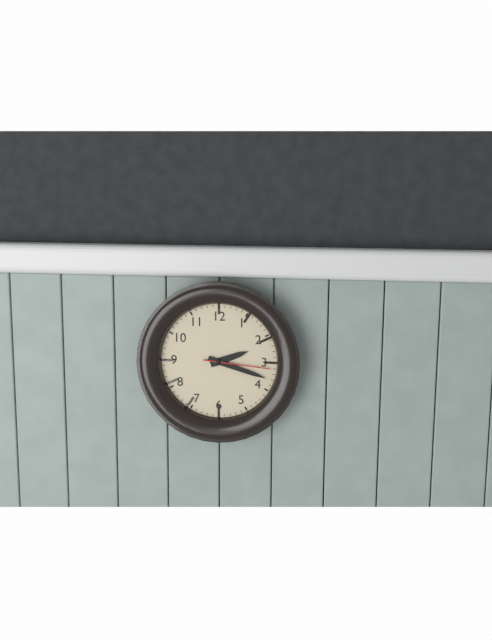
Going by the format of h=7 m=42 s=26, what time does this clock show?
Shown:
h=2 m=18 s=16
